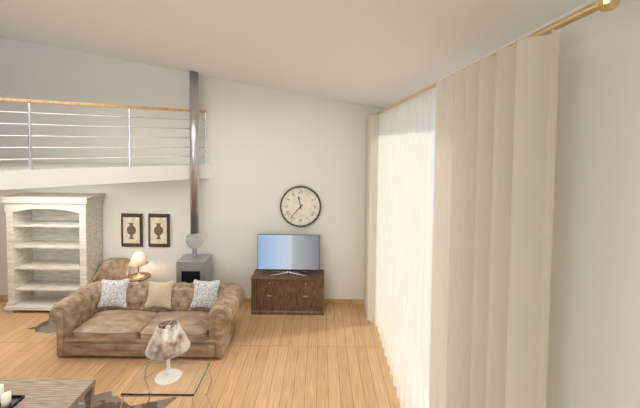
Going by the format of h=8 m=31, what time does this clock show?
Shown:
h=11 m=37
